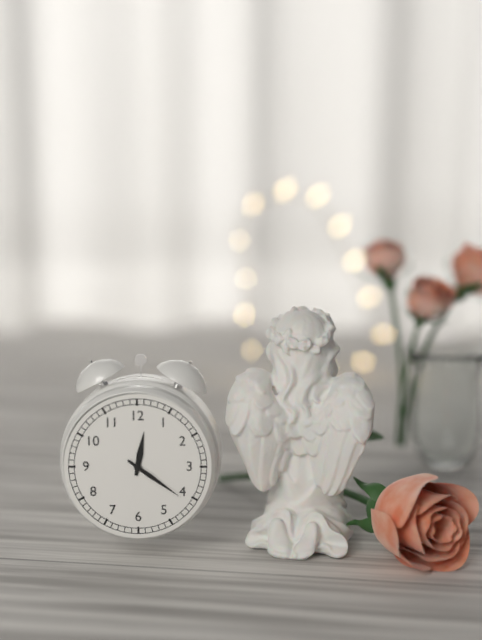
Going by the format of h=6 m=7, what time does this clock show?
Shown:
h=12 m=21
